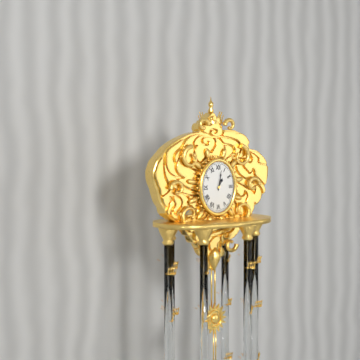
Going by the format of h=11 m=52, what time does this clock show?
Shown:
h=1 m=2
